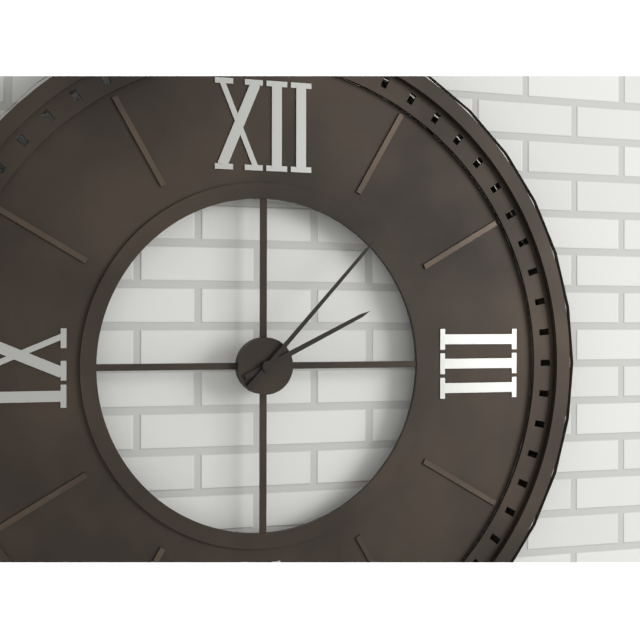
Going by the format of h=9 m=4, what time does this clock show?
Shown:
h=2 m=7
